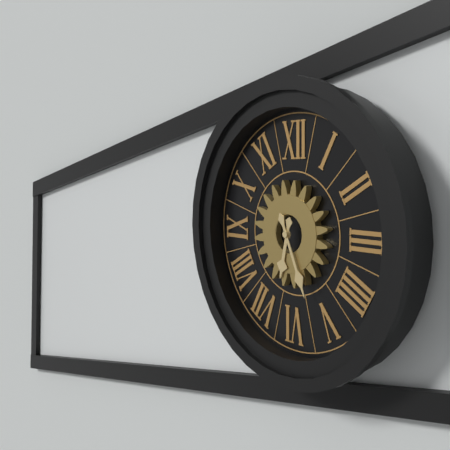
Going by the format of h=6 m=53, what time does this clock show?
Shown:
h=6 m=26
